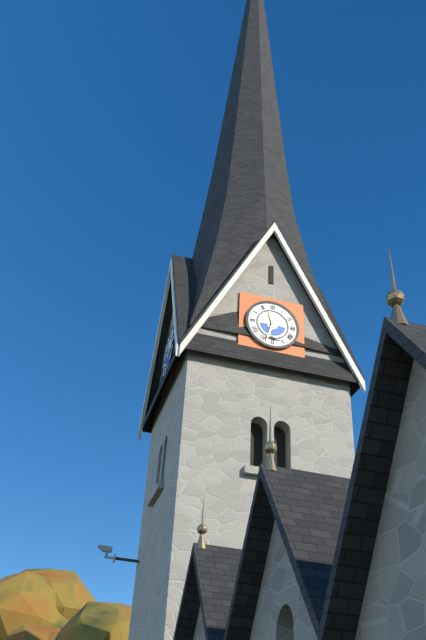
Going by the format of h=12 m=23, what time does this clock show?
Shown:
h=11 m=33
